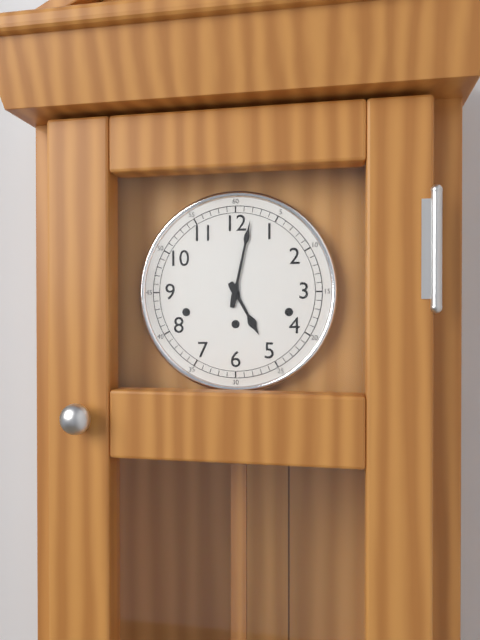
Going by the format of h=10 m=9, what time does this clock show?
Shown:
h=5 m=2
